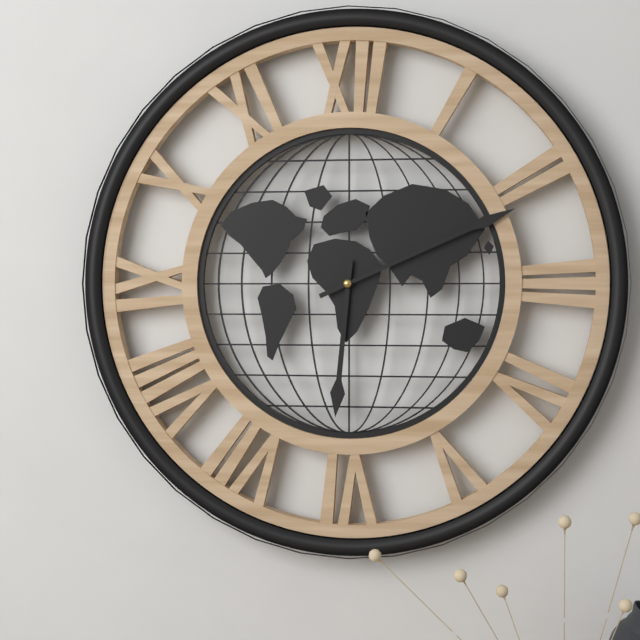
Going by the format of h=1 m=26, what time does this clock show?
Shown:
h=6 m=11
